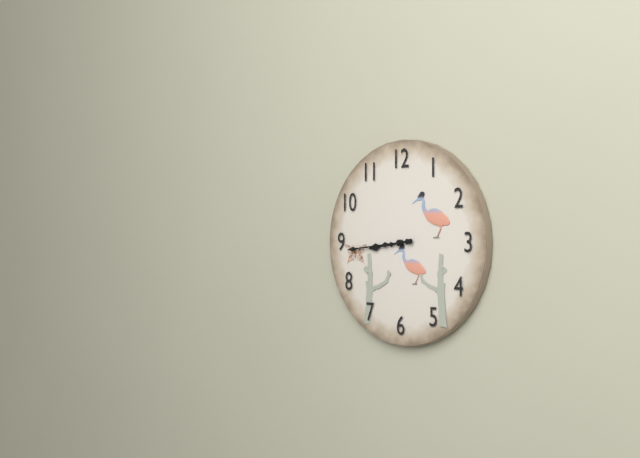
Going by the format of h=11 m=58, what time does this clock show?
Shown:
h=8 m=44
